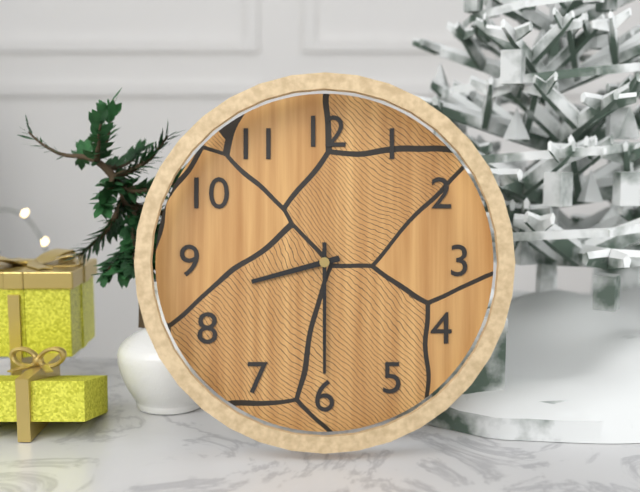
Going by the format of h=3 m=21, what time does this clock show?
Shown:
h=8 m=30
